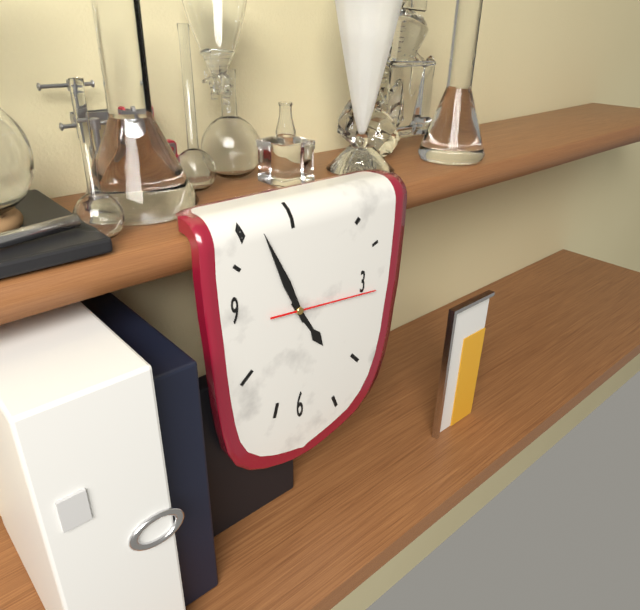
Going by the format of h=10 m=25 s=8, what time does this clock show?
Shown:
h=4 m=56 s=16
